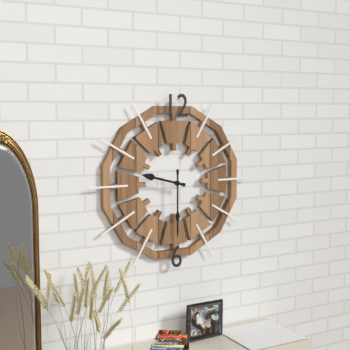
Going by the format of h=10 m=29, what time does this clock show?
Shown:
h=9 m=30
